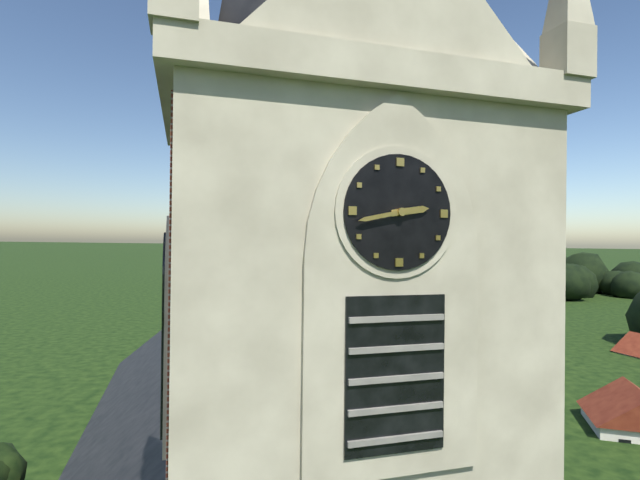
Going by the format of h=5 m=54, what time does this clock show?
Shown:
h=2 m=43
